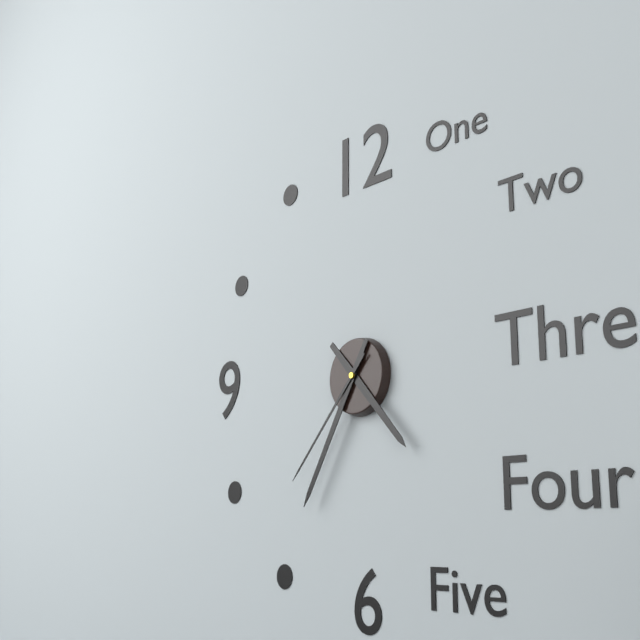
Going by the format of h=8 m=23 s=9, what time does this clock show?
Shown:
h=4 m=35 s=37
